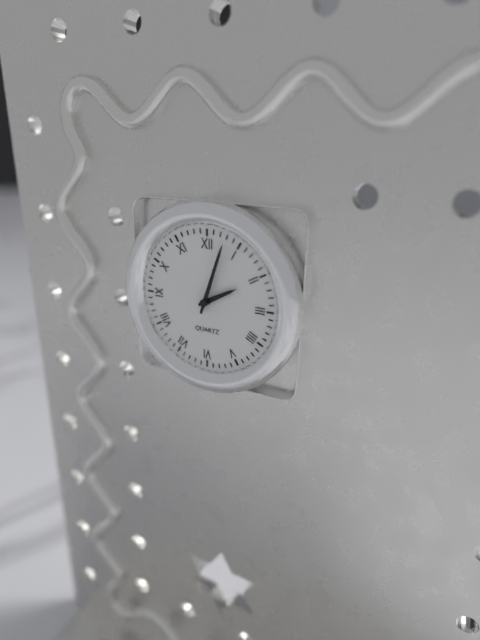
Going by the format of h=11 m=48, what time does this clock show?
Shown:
h=2 m=3
